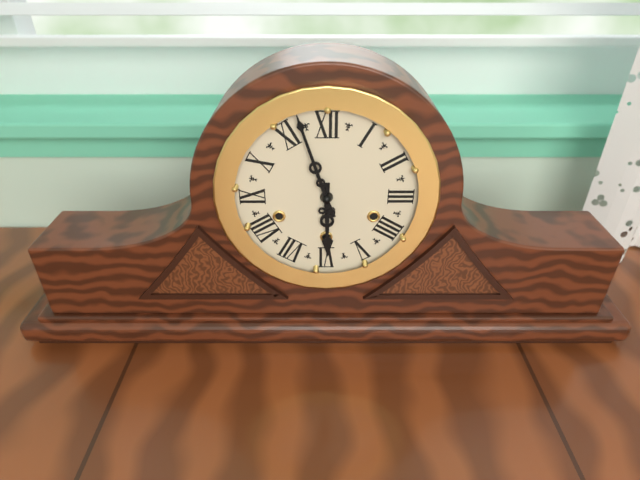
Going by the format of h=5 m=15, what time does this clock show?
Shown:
h=5 m=57
